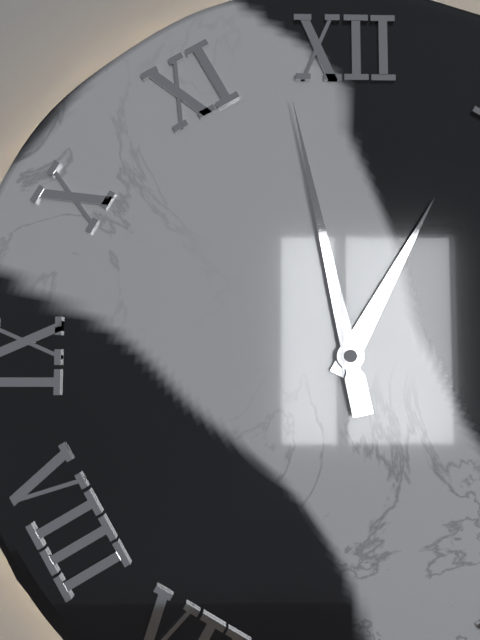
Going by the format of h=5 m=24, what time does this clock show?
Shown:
h=12 m=58
